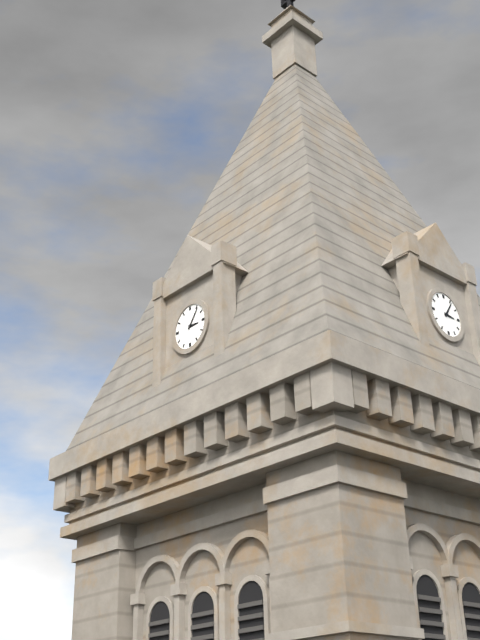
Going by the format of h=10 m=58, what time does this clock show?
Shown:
h=3 m=6
